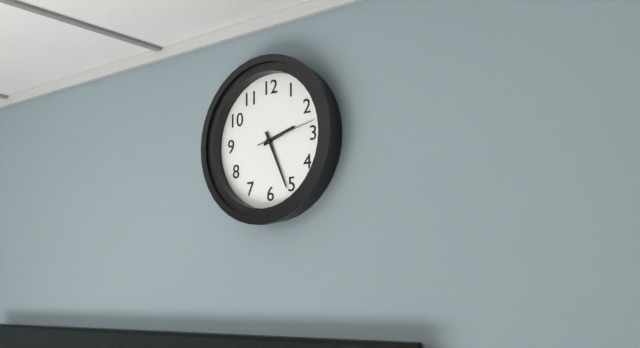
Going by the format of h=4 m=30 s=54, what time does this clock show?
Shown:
h=2 m=26 s=13
